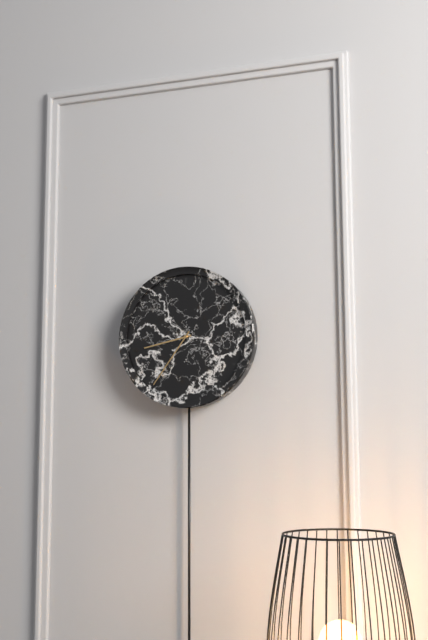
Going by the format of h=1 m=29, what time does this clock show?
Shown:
h=8 m=36
